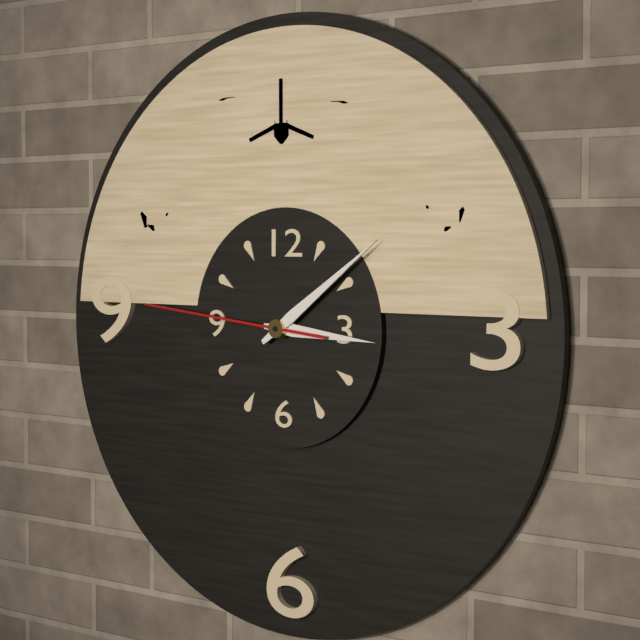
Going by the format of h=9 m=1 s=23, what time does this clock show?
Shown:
h=3 m=9 s=46
